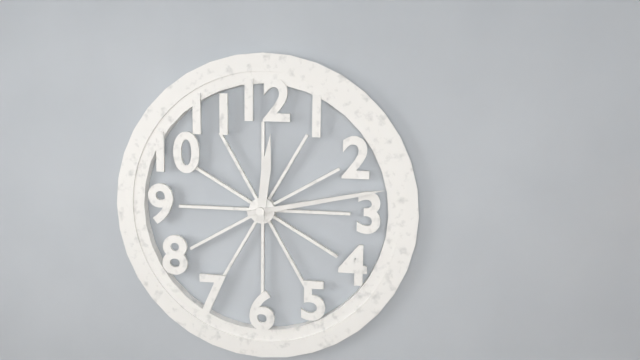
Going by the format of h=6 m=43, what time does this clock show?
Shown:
h=12 m=13
